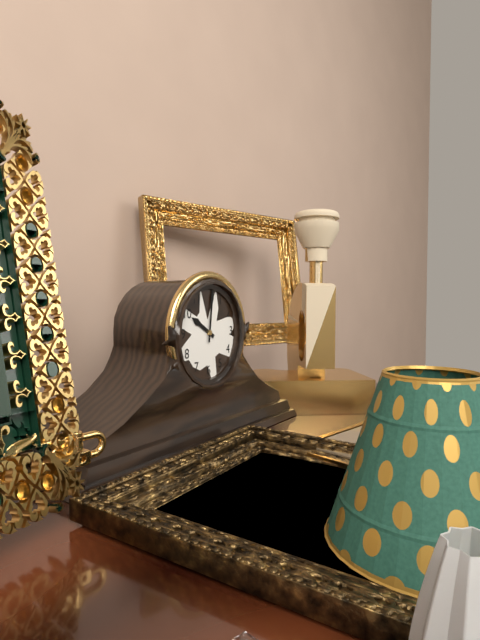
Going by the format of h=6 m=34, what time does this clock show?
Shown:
h=10 m=1
